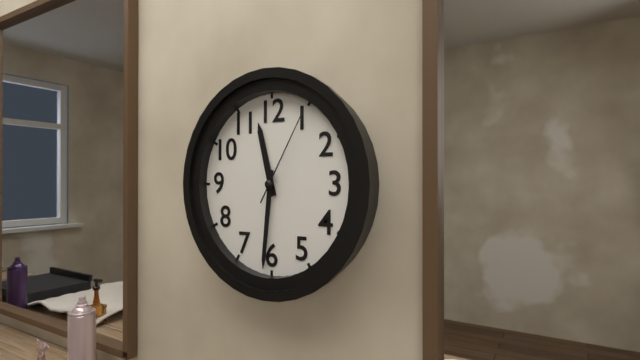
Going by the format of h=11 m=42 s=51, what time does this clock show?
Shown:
h=11 m=31 s=5
